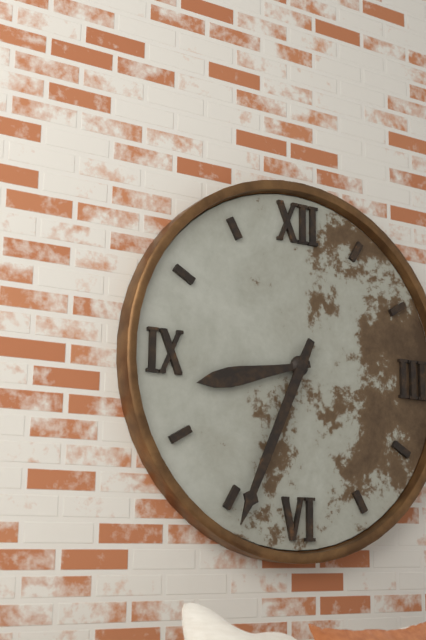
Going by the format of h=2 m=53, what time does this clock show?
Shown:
h=8 m=34
